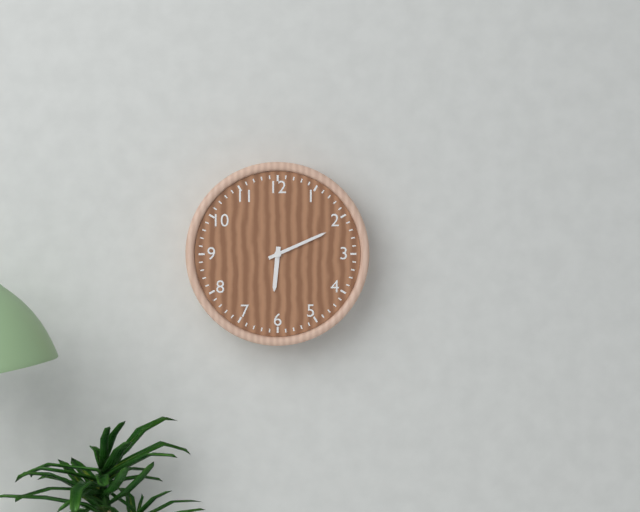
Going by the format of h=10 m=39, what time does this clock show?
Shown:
h=6 m=11
